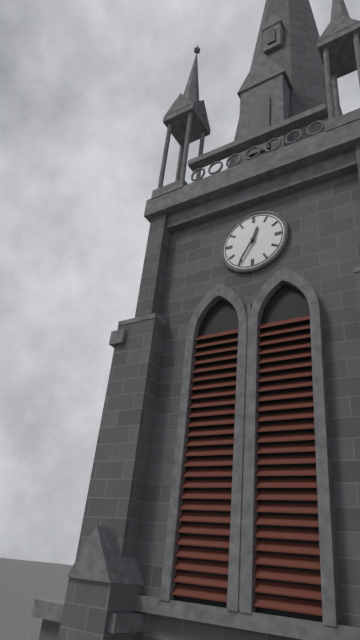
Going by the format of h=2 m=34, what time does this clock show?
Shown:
h=12 m=35
